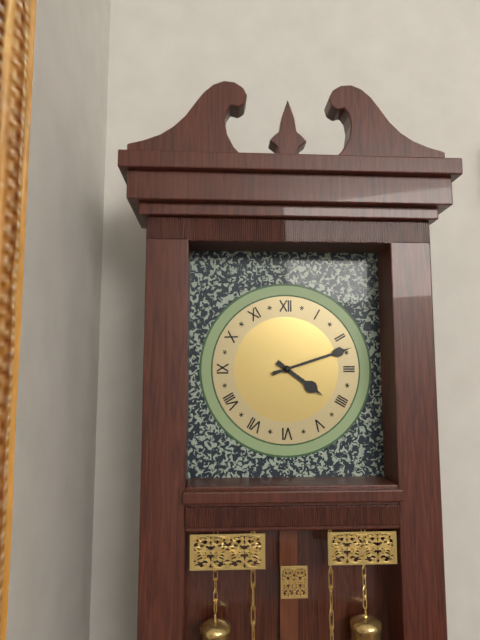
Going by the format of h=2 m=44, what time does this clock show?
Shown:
h=4 m=12
